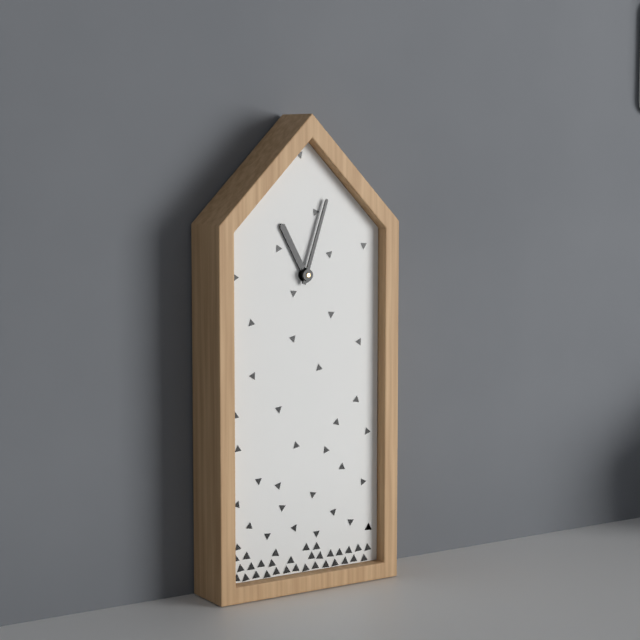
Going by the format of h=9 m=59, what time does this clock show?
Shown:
h=11 m=3
